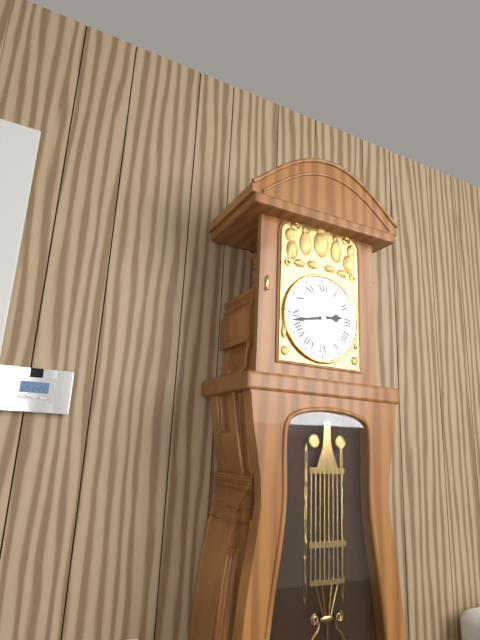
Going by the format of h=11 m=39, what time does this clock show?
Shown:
h=2 m=43
